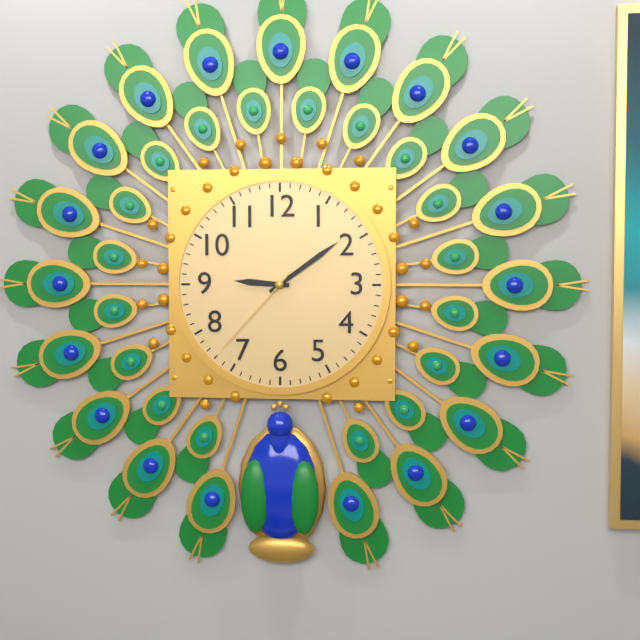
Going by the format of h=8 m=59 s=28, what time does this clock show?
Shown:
h=9 m=9 s=37
